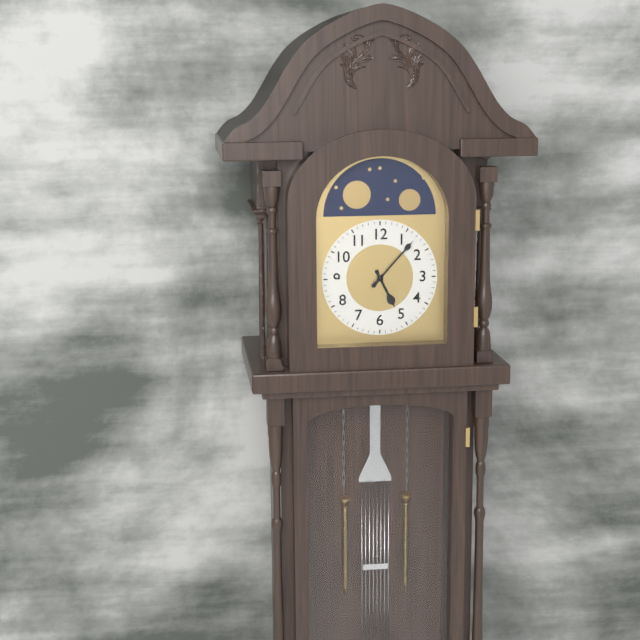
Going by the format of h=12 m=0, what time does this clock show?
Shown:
h=5 m=7
